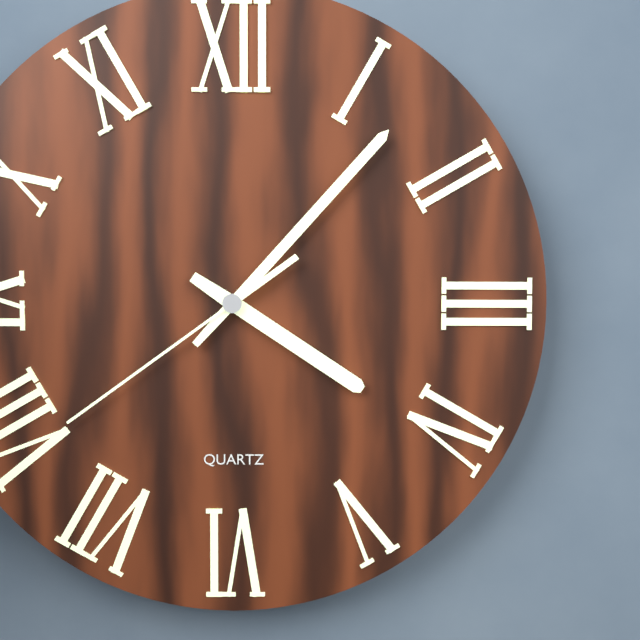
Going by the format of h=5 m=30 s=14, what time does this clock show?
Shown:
h=4 m=7 s=39
